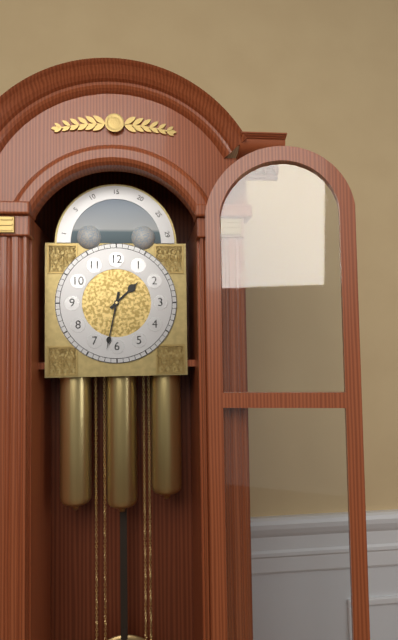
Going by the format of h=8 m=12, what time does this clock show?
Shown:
h=1 m=32
